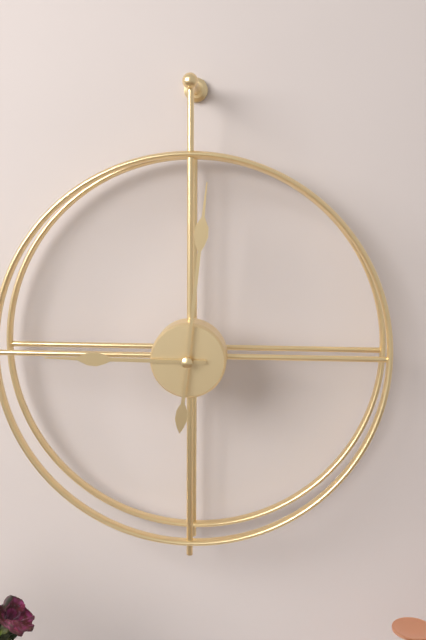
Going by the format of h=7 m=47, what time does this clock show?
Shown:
h=9 m=1
